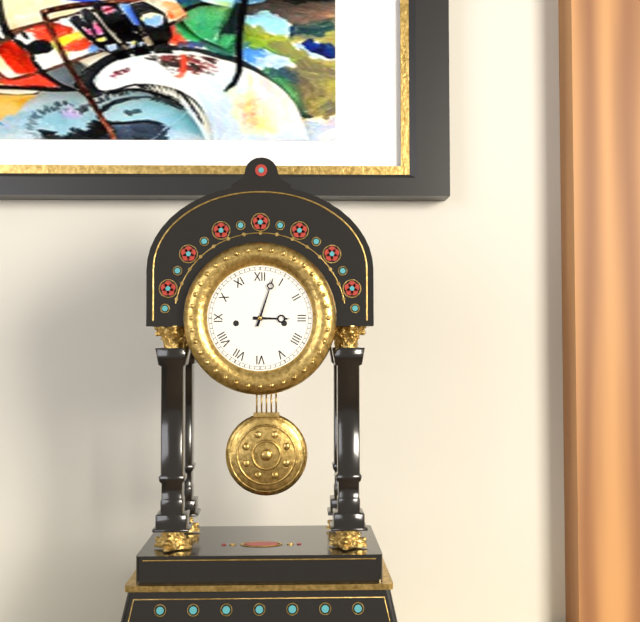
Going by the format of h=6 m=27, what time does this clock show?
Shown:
h=3 m=3
